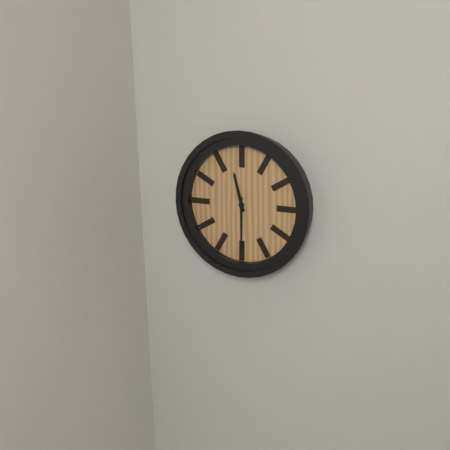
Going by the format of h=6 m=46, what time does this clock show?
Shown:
h=11 m=30
